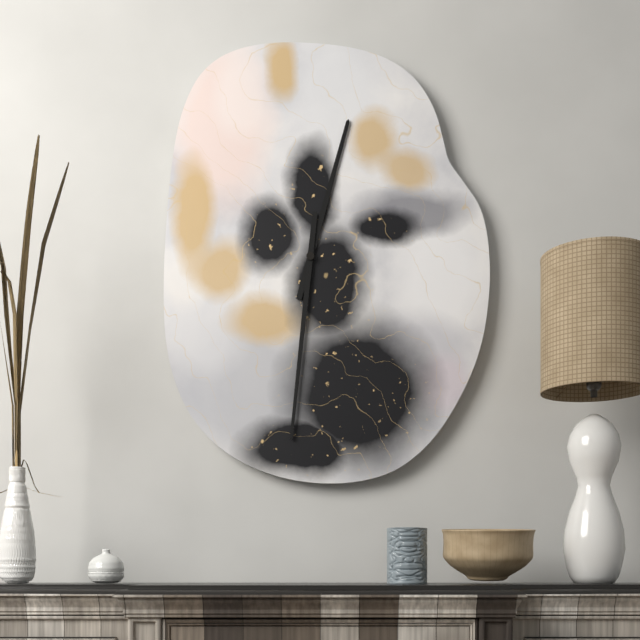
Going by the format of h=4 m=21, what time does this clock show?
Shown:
h=12 m=31
